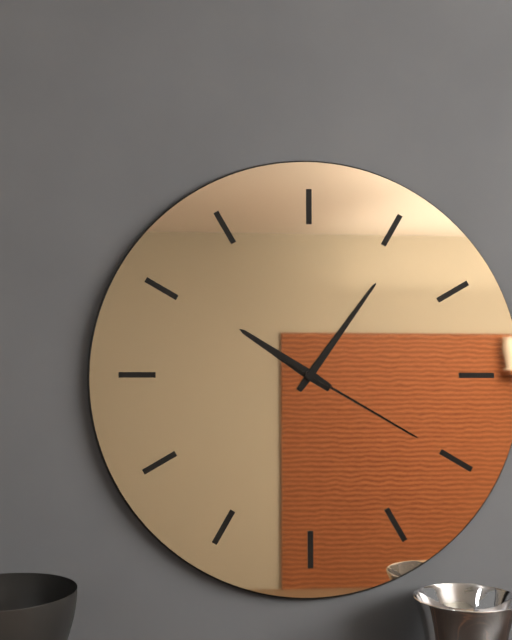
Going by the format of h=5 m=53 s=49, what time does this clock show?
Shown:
h=10 m=6 s=20
